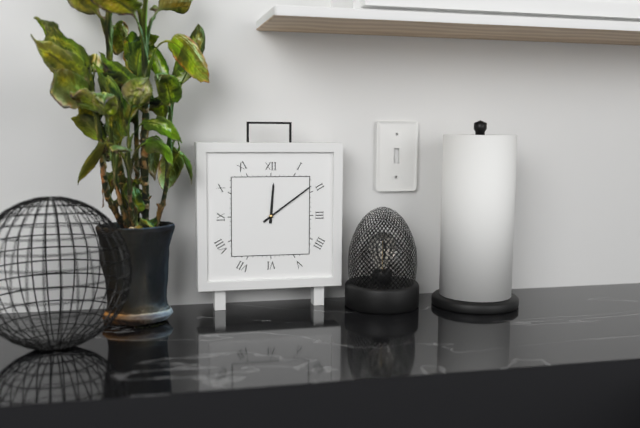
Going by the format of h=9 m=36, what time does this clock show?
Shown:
h=12 m=9
